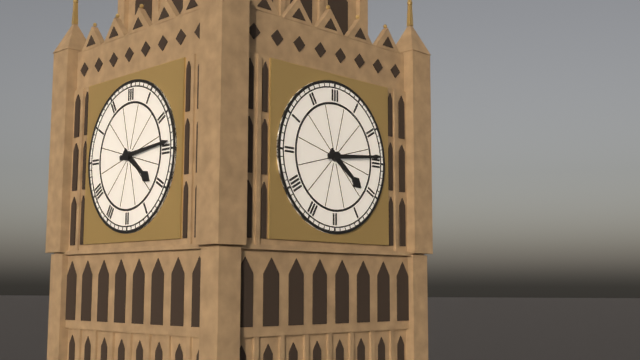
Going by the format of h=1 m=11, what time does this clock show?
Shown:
h=4 m=14
